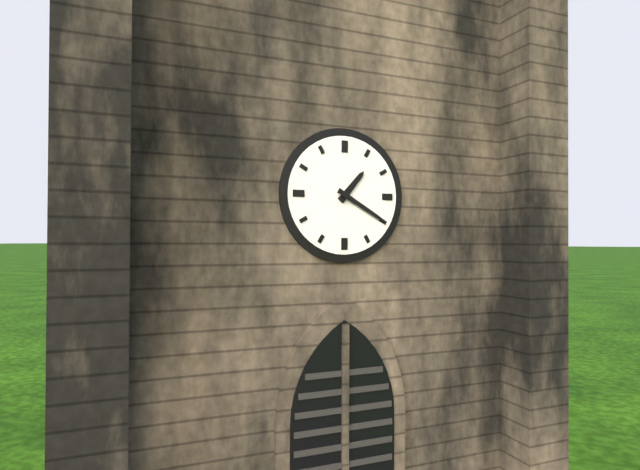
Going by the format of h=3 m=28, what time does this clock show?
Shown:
h=1 m=20
